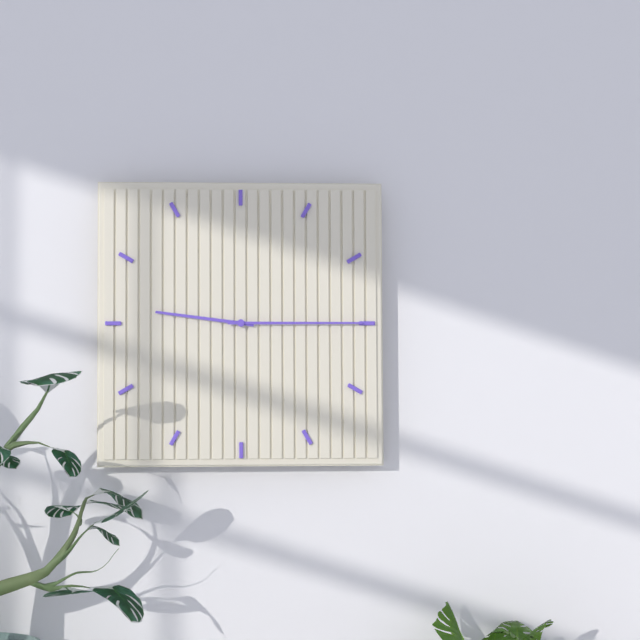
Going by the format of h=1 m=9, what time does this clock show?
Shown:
h=9 m=15
